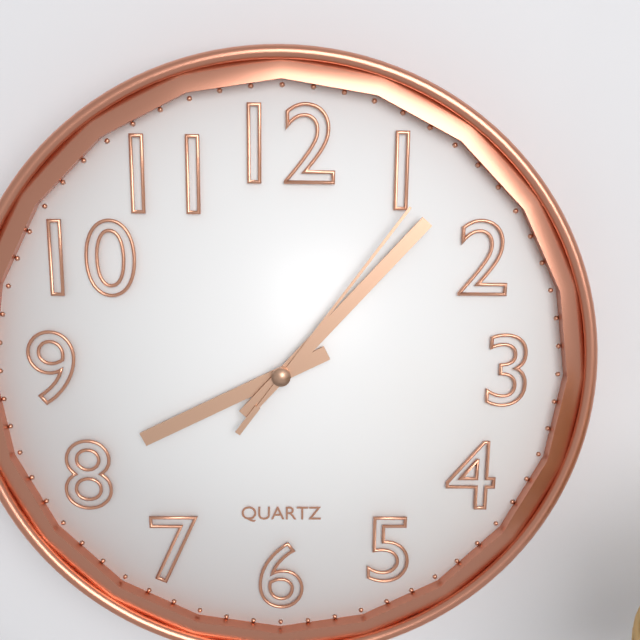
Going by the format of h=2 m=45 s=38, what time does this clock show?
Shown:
h=8 m=7 s=6
